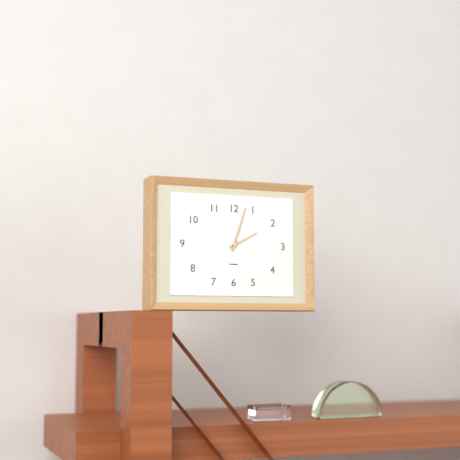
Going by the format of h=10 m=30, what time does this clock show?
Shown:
h=2 m=3
